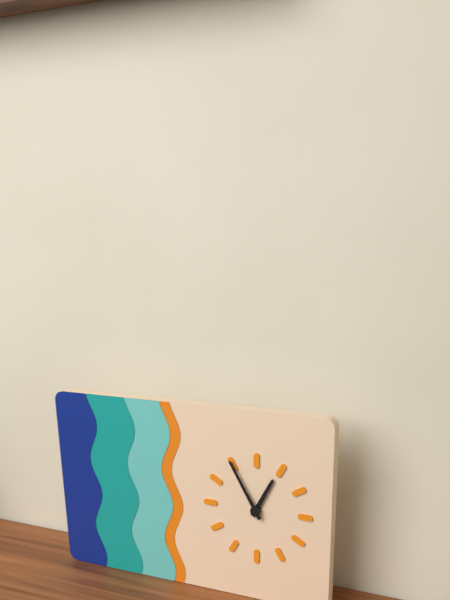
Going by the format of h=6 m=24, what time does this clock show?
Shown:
h=12 m=55
